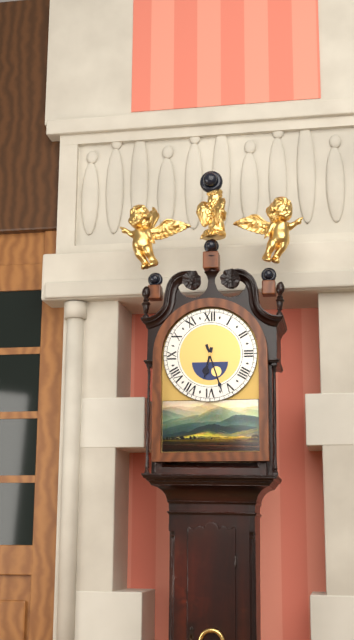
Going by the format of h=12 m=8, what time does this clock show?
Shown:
h=6 m=27
